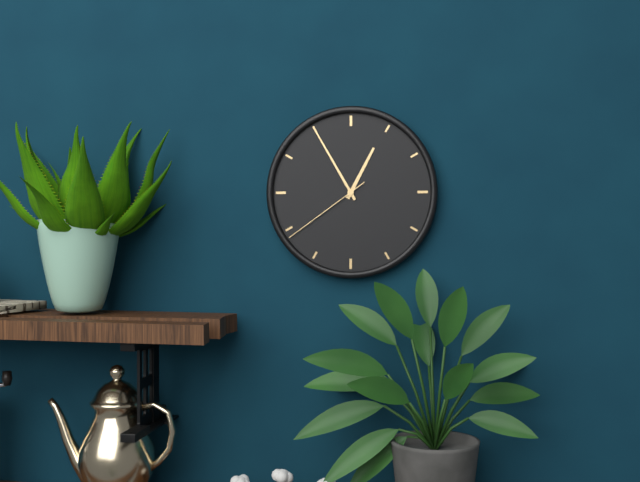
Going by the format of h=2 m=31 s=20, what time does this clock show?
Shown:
h=12 m=55 s=39
